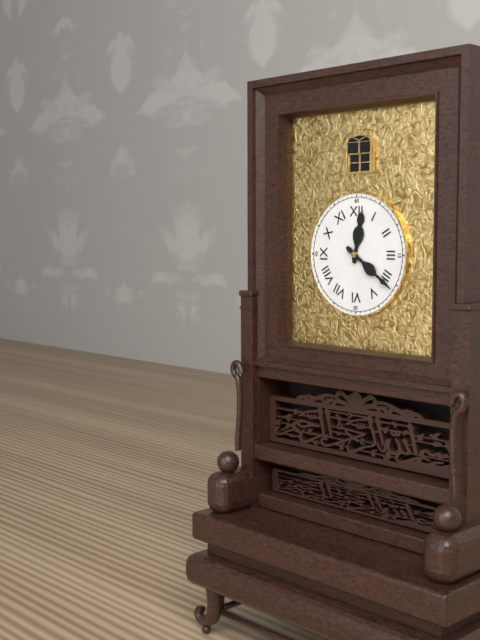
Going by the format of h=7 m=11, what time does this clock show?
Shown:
h=12 m=21
